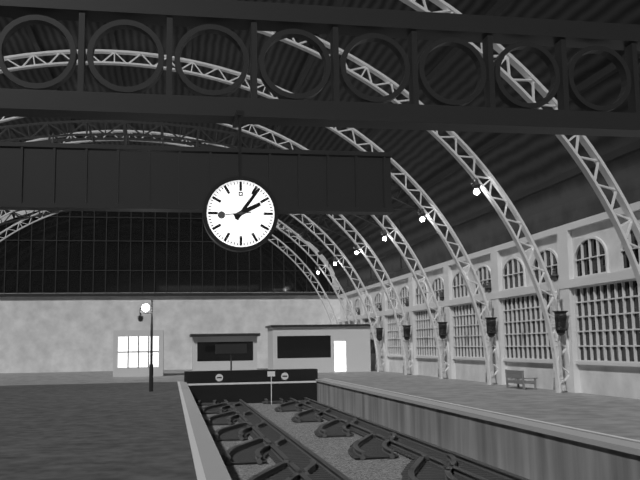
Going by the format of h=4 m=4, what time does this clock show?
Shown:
h=2 m=6
